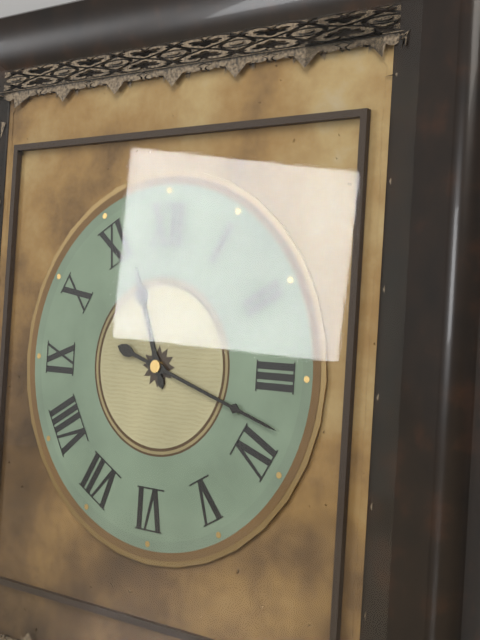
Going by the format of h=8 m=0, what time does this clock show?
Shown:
h=11 m=18
